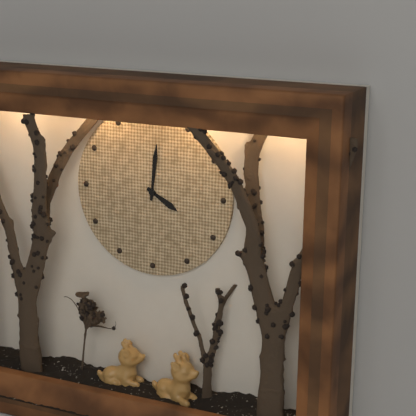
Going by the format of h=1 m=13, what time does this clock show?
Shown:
h=4 m=1
